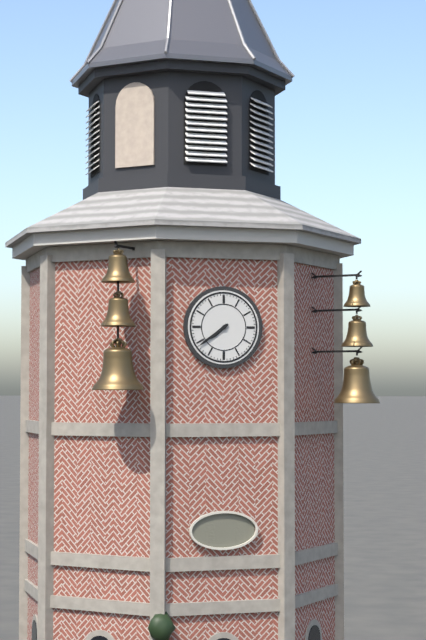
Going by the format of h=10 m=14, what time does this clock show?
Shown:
h=7 m=39
